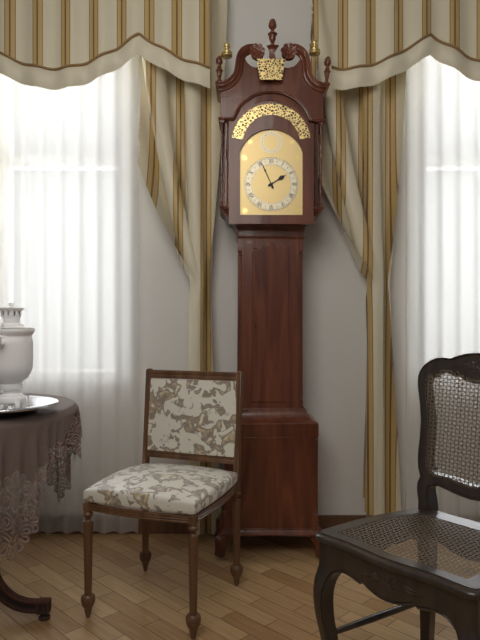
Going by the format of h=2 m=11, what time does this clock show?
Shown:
h=1 m=56
